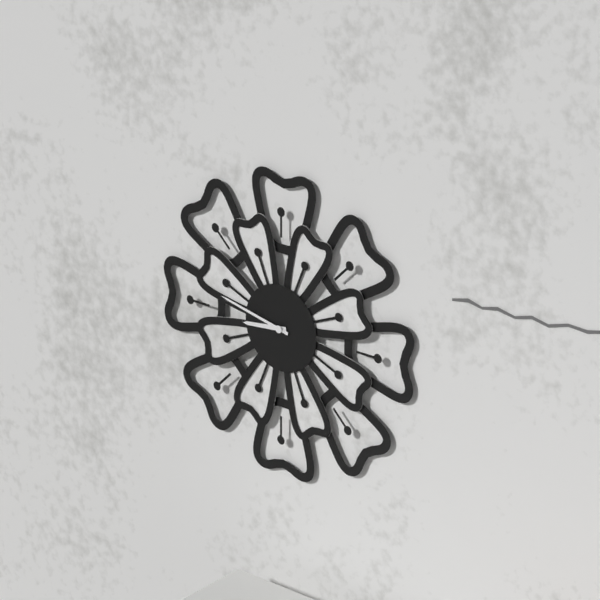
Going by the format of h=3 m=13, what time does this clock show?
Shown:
h=8 m=47
